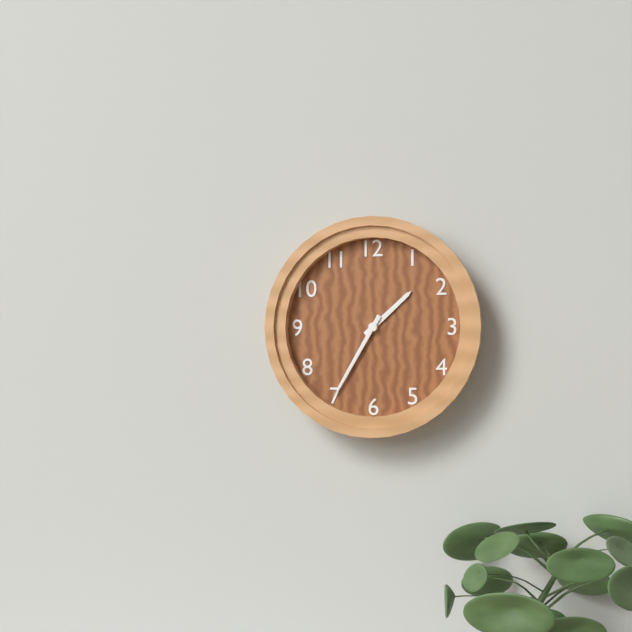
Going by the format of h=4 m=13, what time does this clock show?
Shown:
h=1 m=35
